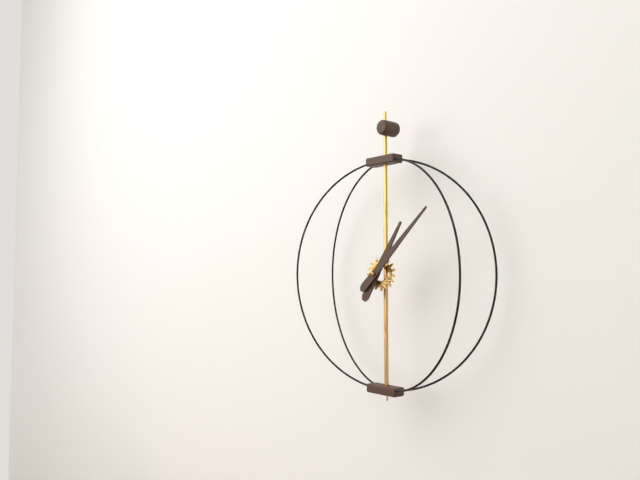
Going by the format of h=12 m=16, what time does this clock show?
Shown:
h=1 m=8
